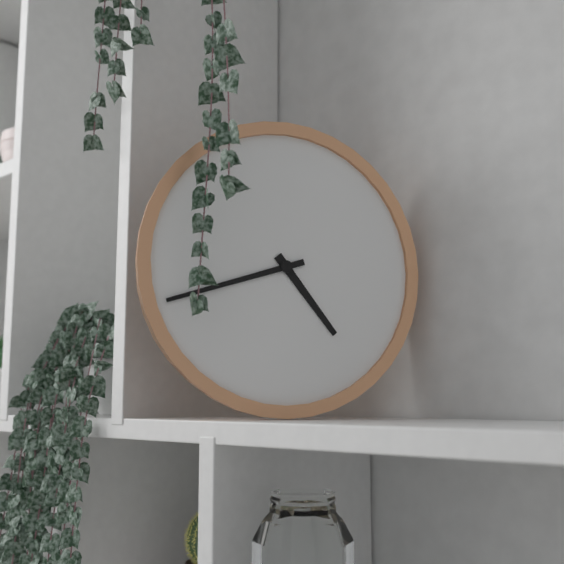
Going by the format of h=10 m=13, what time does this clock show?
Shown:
h=4 m=42
